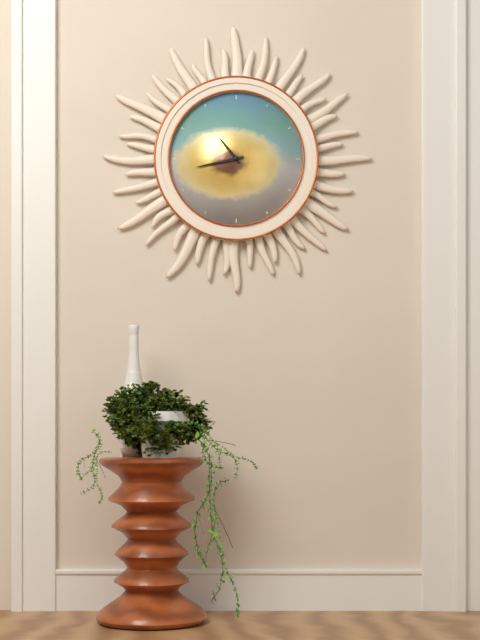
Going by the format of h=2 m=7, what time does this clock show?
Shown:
h=10 m=43
